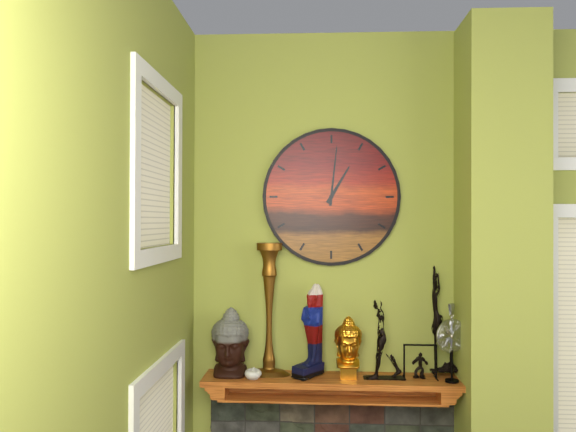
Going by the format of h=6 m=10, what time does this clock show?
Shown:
h=1 m=1
